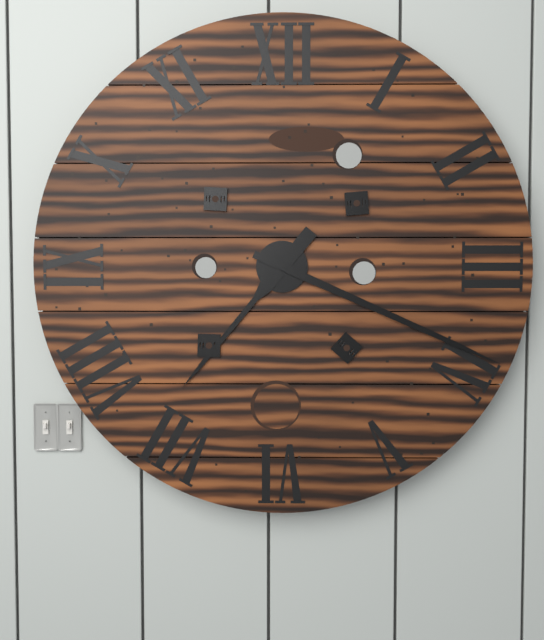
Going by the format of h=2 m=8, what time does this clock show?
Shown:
h=7 m=19
